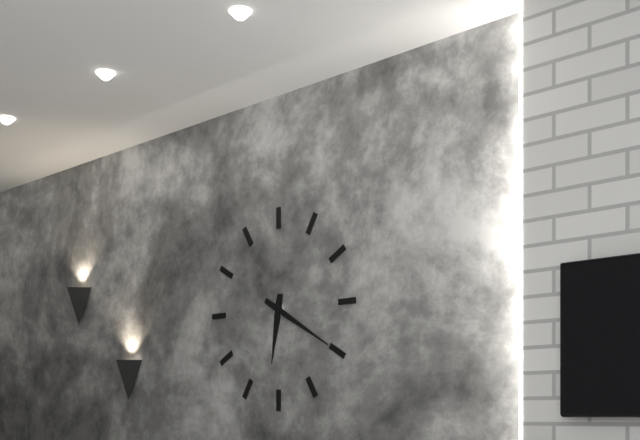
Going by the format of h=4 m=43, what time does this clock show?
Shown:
h=6 m=20
